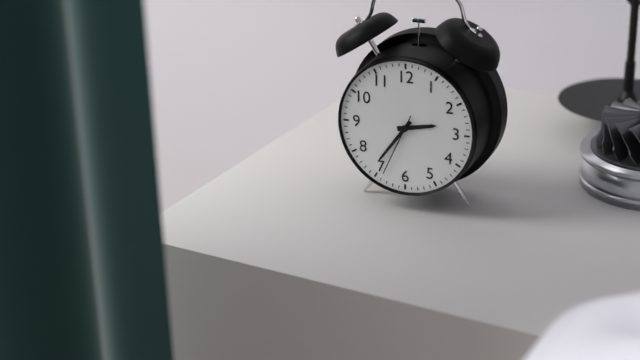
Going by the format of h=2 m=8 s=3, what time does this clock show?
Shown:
h=2 m=36 s=34
